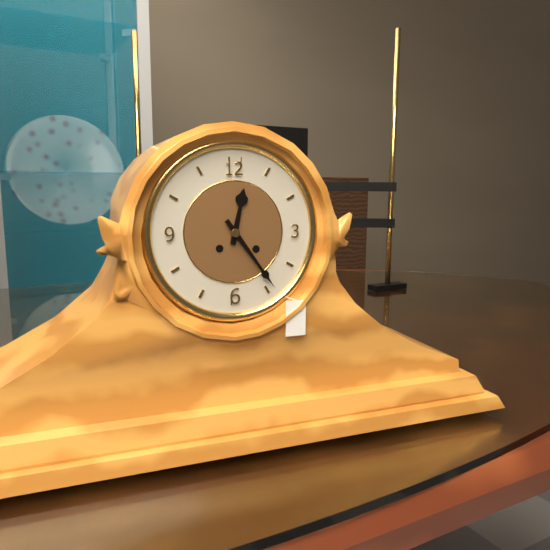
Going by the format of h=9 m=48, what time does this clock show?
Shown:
h=12 m=24
